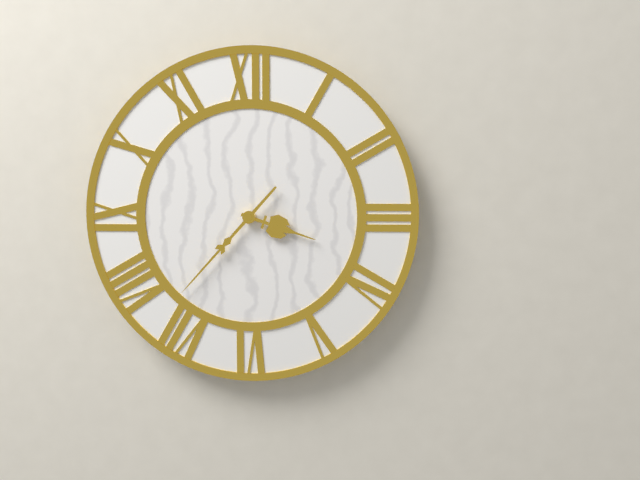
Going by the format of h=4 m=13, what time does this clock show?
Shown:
h=3 m=37
